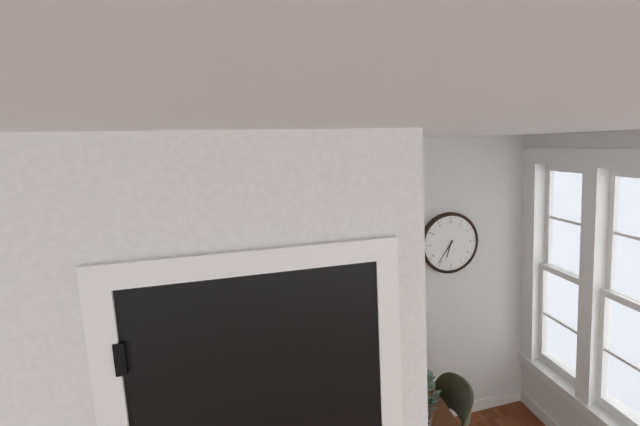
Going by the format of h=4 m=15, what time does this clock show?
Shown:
h=6 m=36
